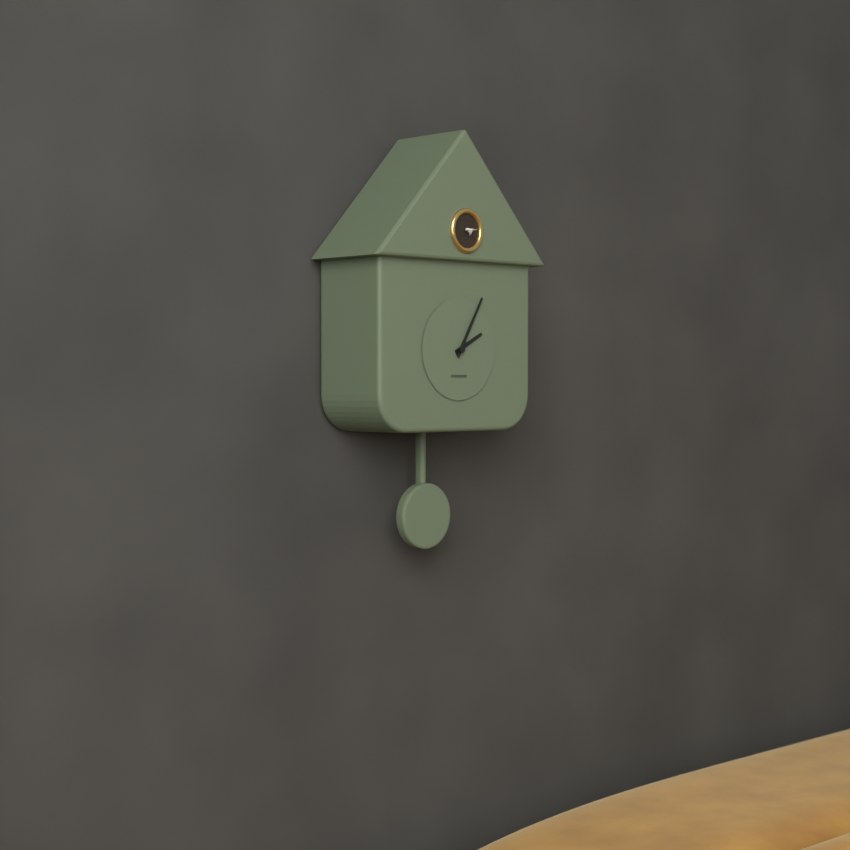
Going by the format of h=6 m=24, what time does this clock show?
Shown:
h=2 m=5
